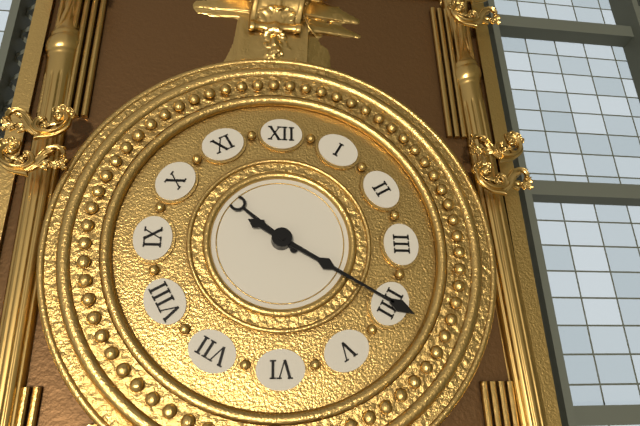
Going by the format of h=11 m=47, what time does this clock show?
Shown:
h=10 m=20
